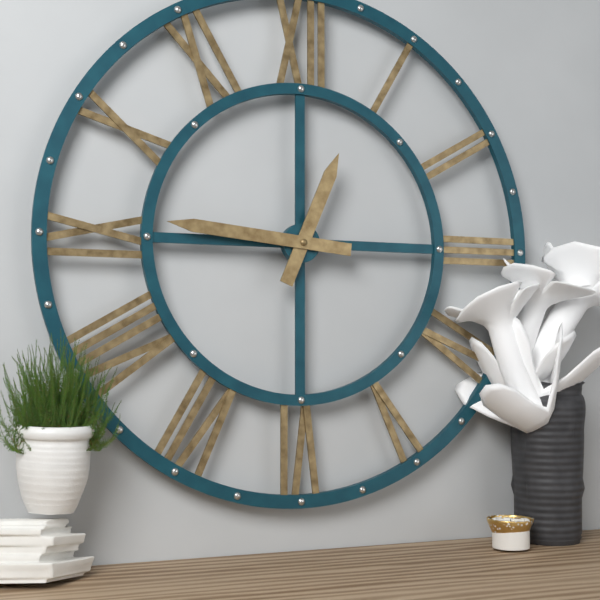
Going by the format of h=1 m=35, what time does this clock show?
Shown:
h=12 m=46
